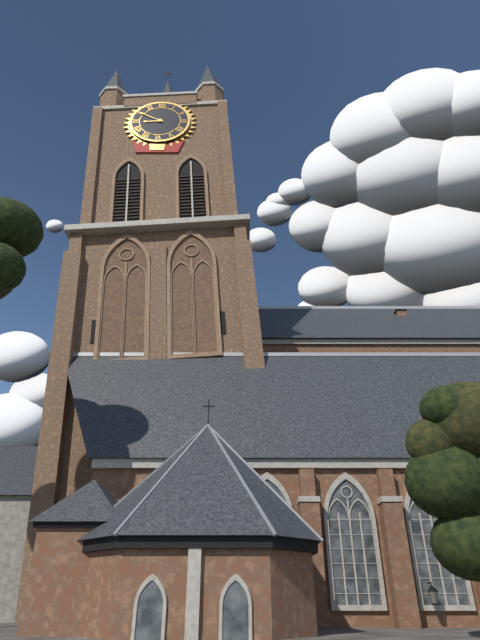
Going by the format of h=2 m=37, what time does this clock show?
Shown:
h=8 m=50
